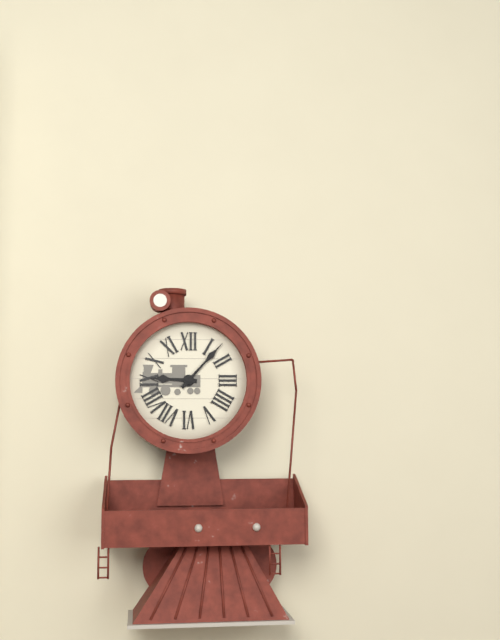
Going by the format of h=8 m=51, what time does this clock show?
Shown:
h=9 m=7
